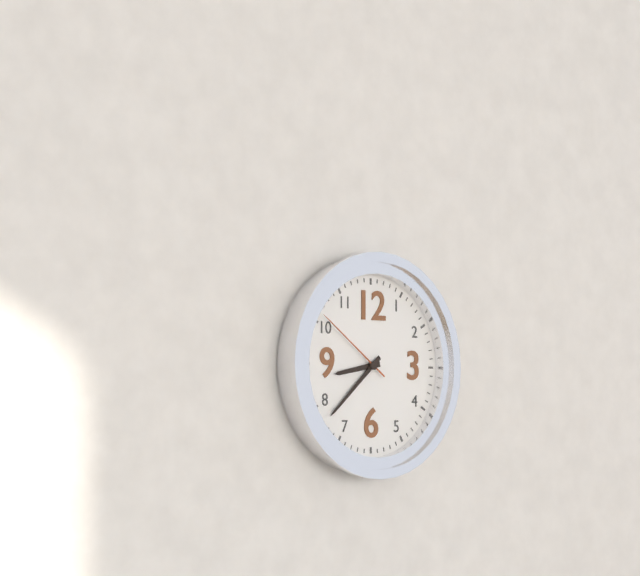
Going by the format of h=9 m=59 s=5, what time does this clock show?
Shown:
h=8 m=38 s=51
